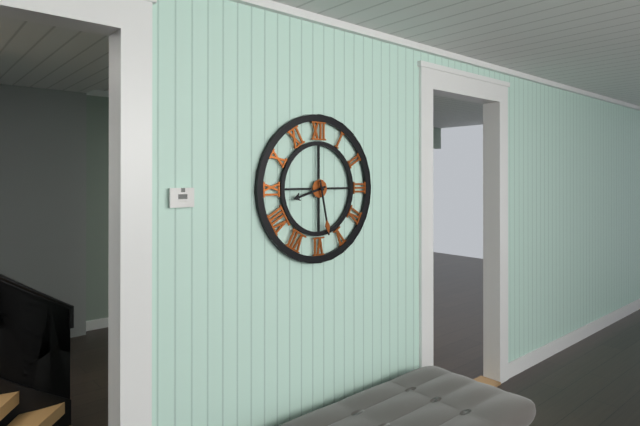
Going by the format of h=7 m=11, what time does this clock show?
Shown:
h=8 m=28
